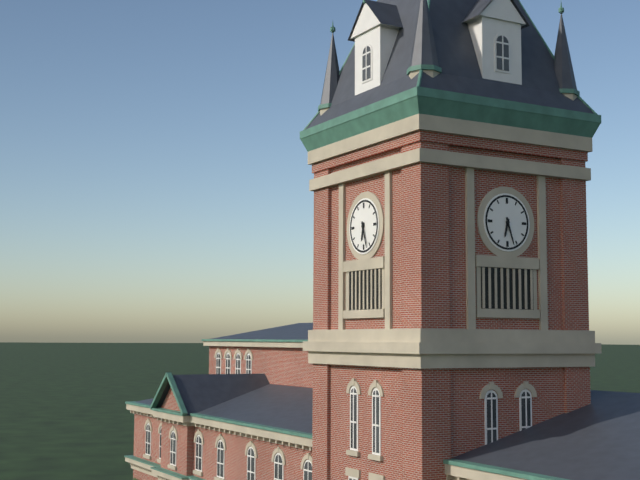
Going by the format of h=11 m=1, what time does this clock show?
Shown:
h=6 m=27
